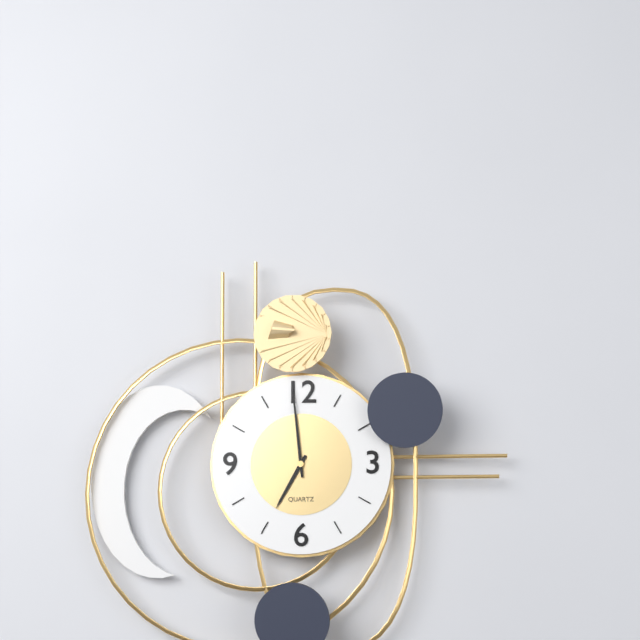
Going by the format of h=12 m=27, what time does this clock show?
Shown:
h=6 m=59
